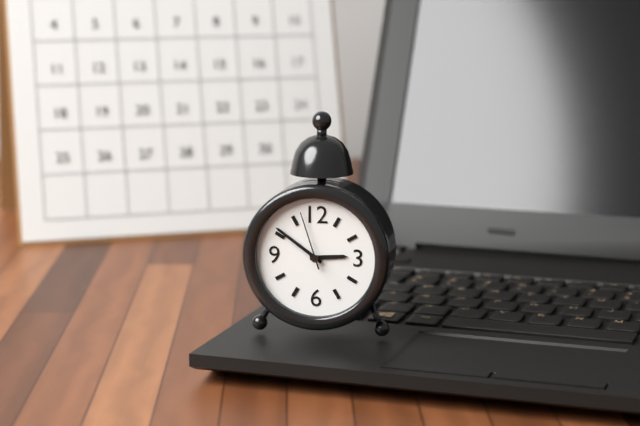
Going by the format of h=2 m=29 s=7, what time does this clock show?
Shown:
h=2 m=51 s=57
